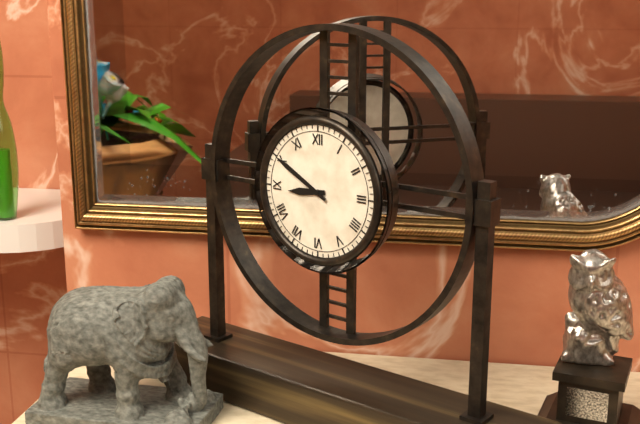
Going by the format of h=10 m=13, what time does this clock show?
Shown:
h=8 m=50
